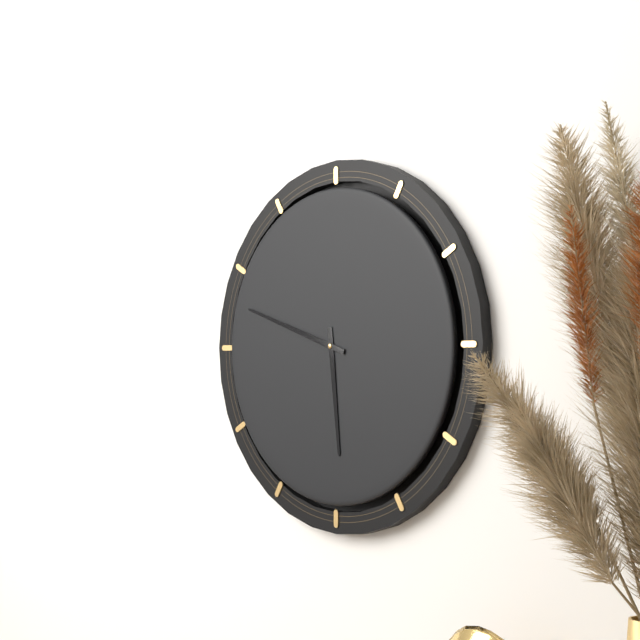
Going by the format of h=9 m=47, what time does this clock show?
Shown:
h=5 m=48
